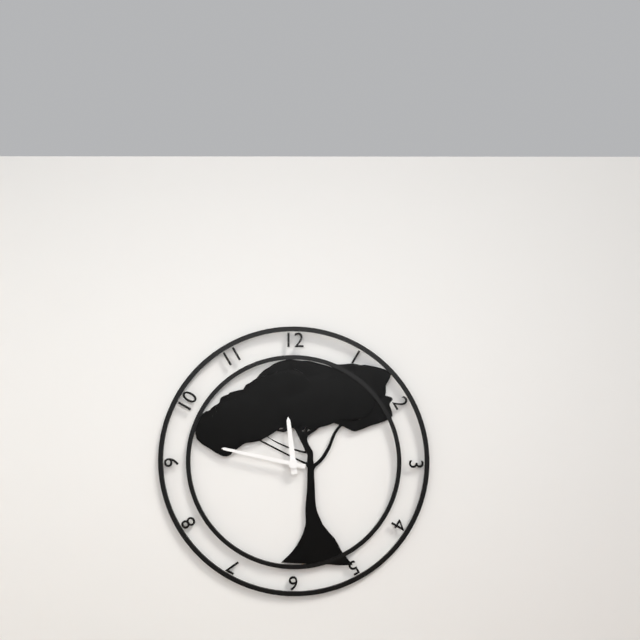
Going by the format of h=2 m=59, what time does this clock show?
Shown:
h=11 m=47
